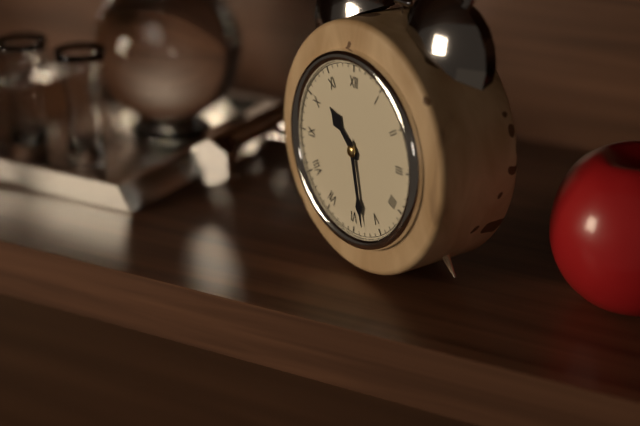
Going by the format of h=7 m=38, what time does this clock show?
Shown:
h=10 m=28
